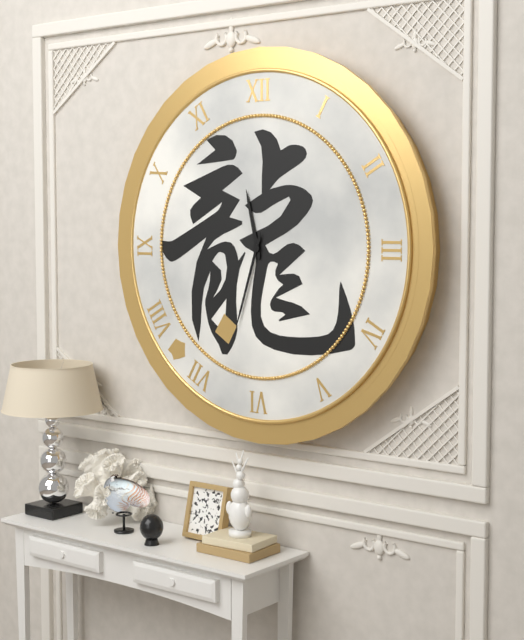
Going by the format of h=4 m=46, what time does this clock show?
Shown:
h=11 m=33
